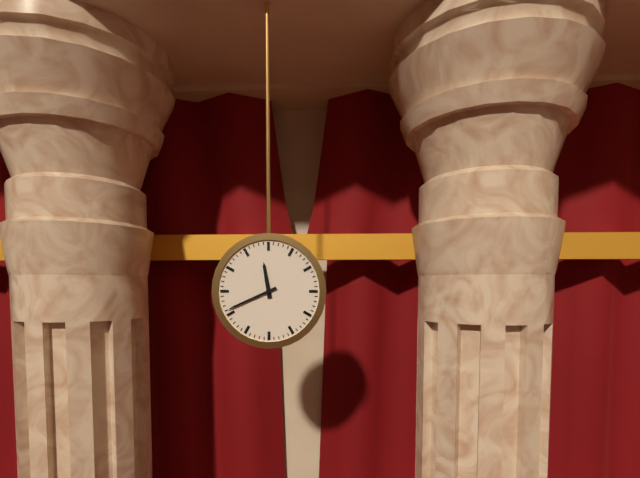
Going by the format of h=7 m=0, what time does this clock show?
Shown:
h=11 m=41
